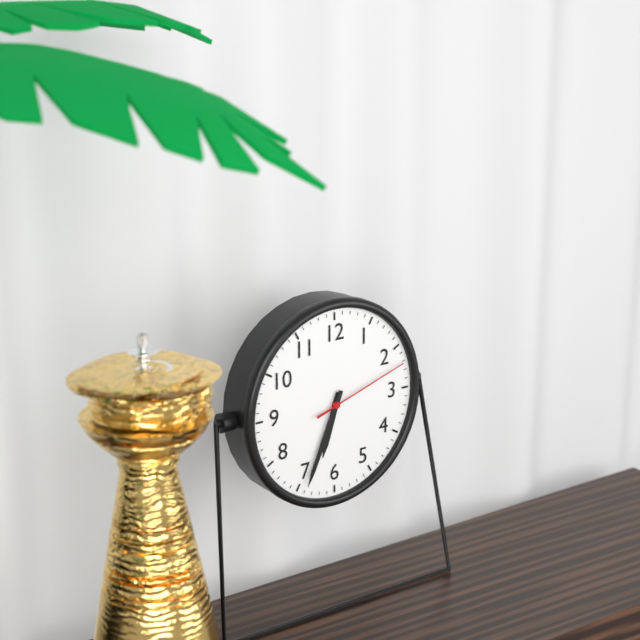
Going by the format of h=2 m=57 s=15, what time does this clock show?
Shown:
h=6 m=34 s=12
